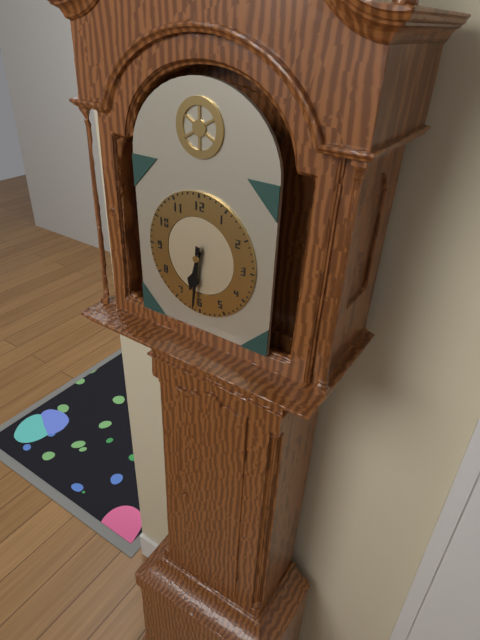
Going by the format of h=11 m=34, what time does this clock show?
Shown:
h=6 m=31
